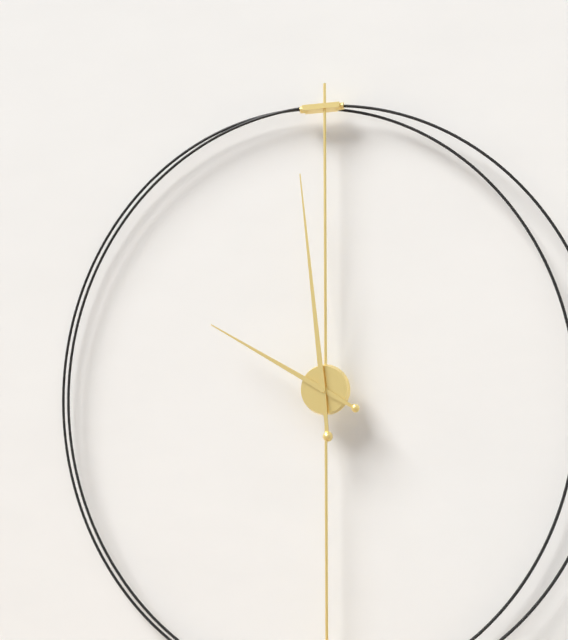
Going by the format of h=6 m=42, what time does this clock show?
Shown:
h=9 m=59
